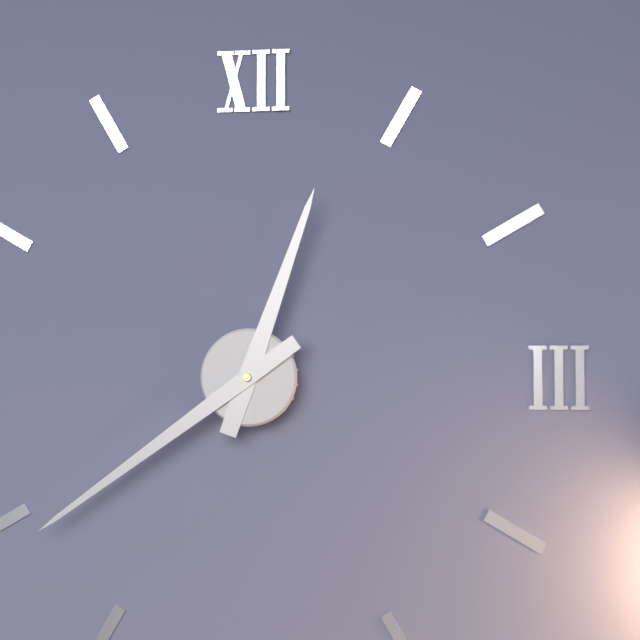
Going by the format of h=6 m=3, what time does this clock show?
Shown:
h=12 m=39
